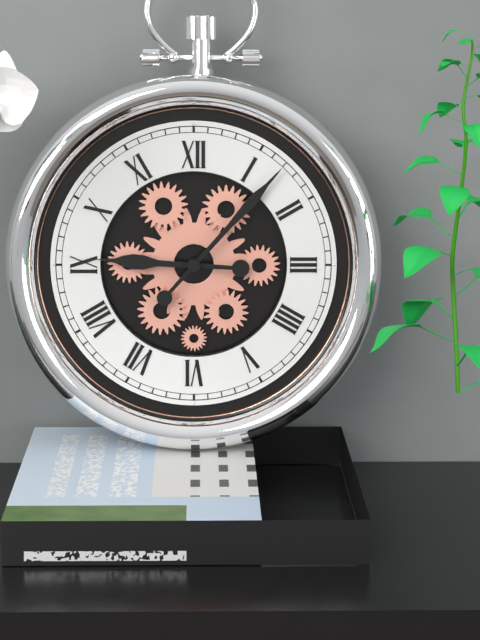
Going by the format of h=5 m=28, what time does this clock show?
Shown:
h=9 m=7
